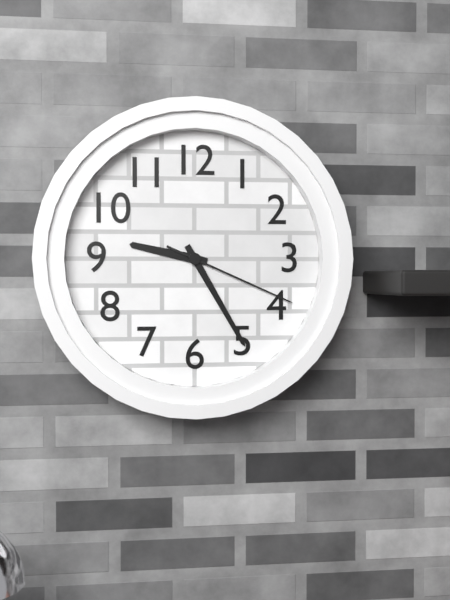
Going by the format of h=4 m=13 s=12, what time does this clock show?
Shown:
h=9 m=25 s=19
